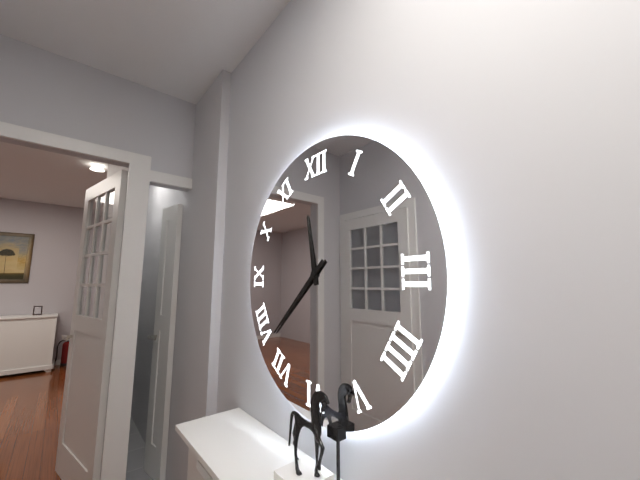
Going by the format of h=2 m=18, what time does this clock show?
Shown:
h=11 m=38
